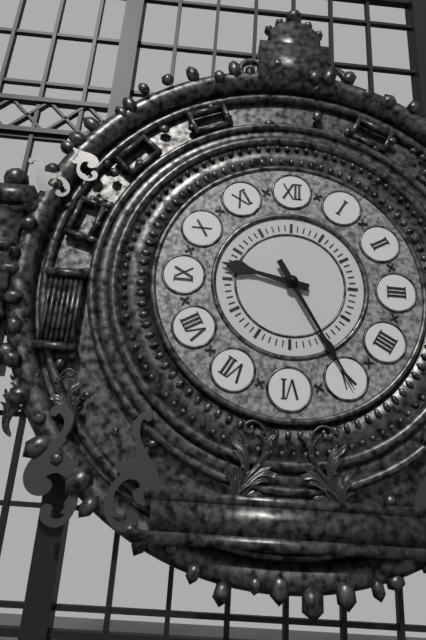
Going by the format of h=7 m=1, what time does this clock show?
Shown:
h=9 m=25
